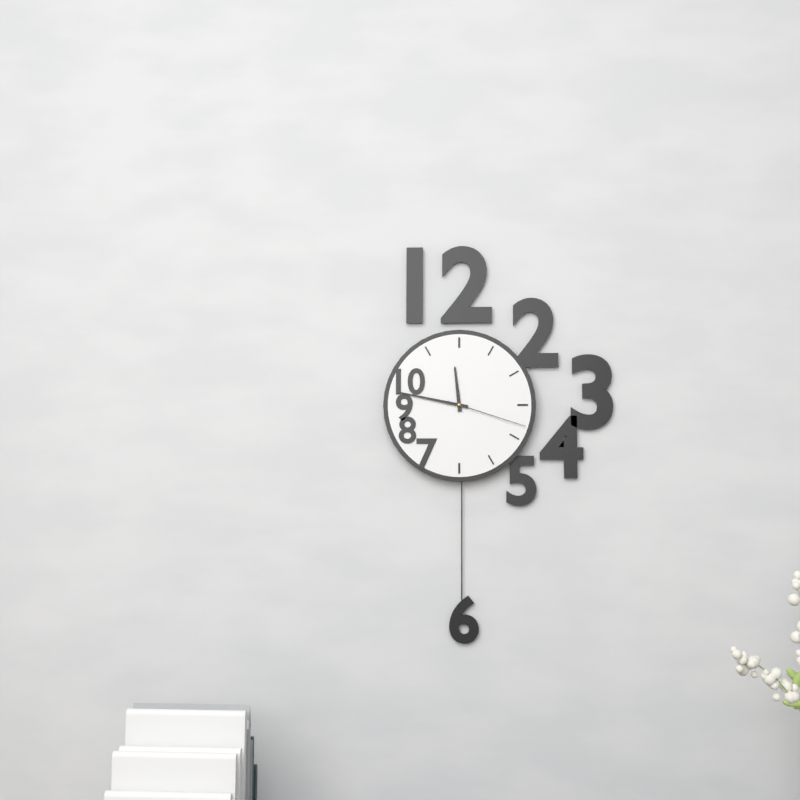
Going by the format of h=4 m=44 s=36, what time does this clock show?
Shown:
h=11 m=47 s=18
